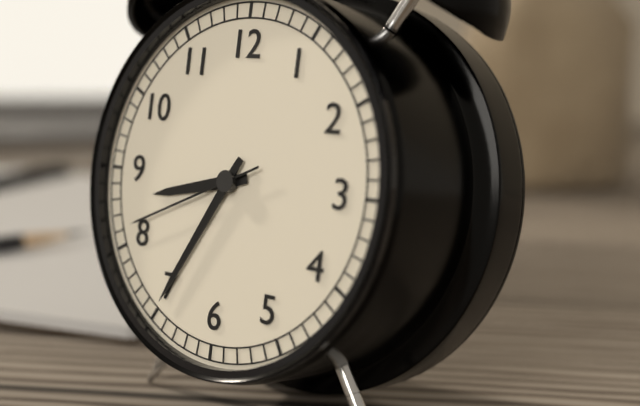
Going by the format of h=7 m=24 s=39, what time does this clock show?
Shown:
h=8 m=35 s=41
